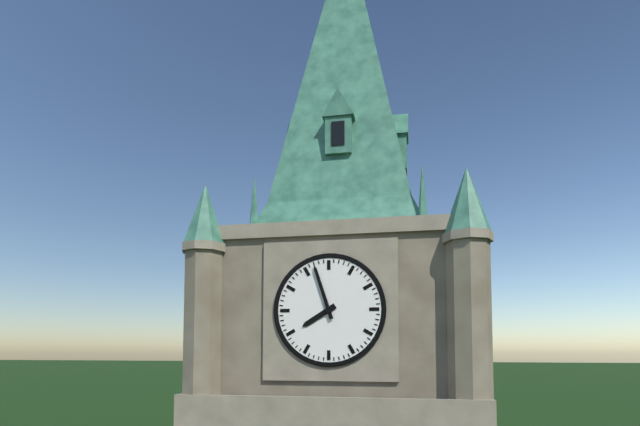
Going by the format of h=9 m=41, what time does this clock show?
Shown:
h=7 m=57
